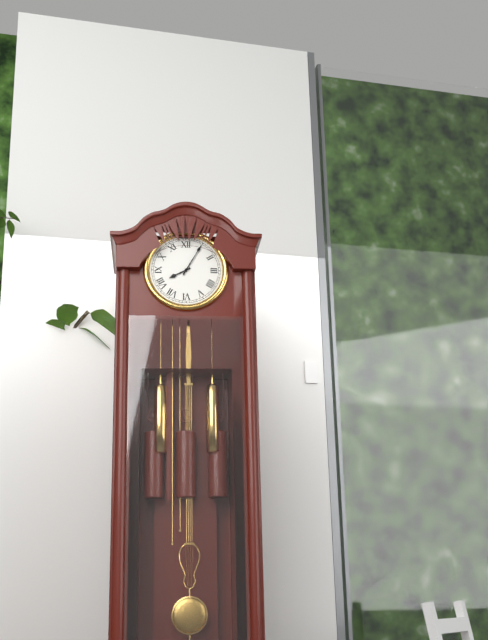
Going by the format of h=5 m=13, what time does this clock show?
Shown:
h=8 m=5
